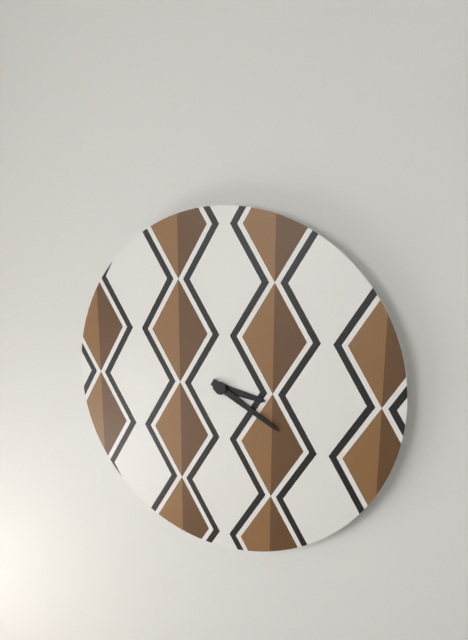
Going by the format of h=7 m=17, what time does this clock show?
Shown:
h=3 m=20
